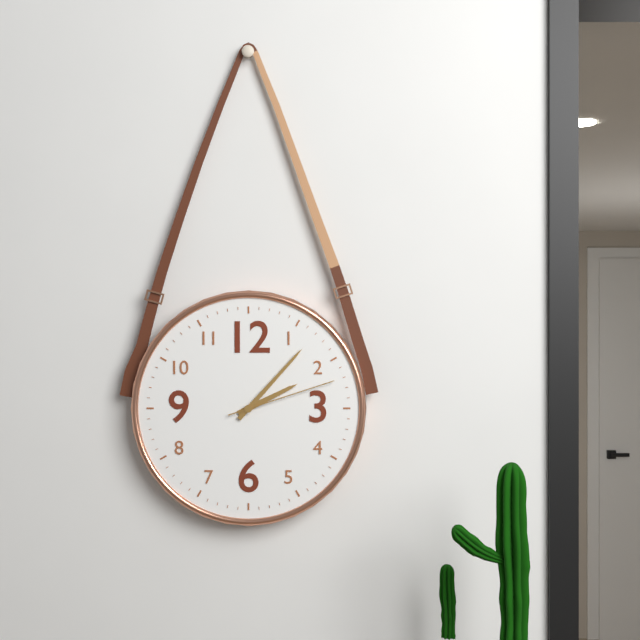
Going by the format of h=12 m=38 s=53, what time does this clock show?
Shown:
h=2 m=7 s=12
